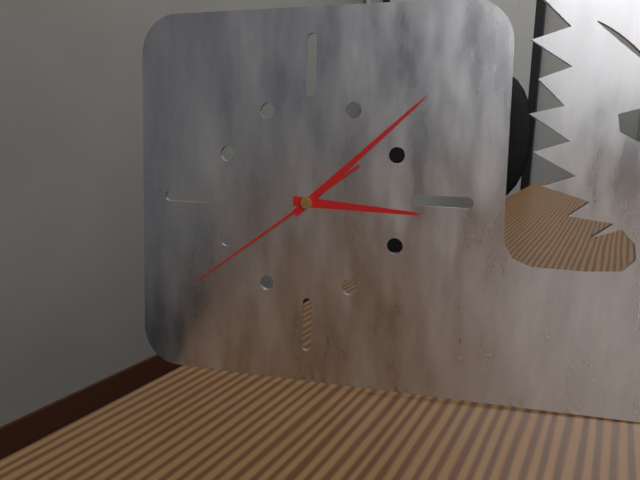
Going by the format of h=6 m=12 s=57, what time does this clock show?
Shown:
h=3 m=8 s=39
